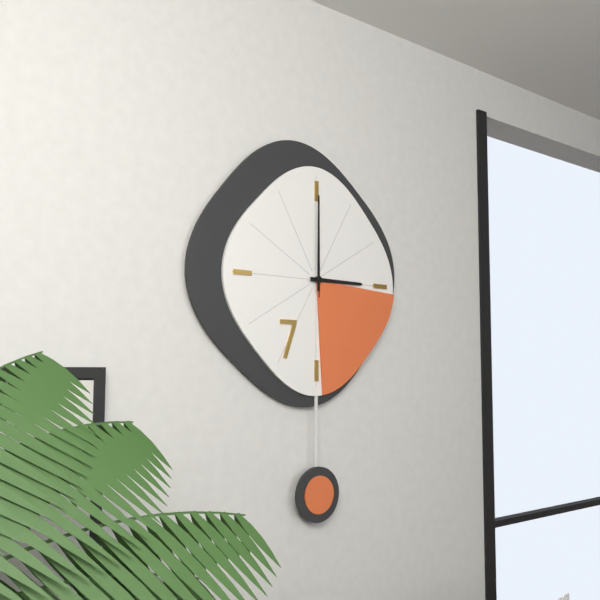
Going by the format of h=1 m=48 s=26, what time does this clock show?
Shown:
h=3 m=0 s=0
